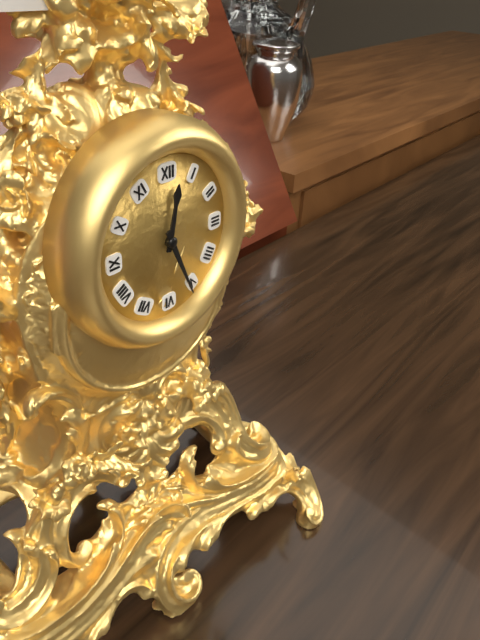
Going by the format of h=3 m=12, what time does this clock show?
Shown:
h=12 m=26
